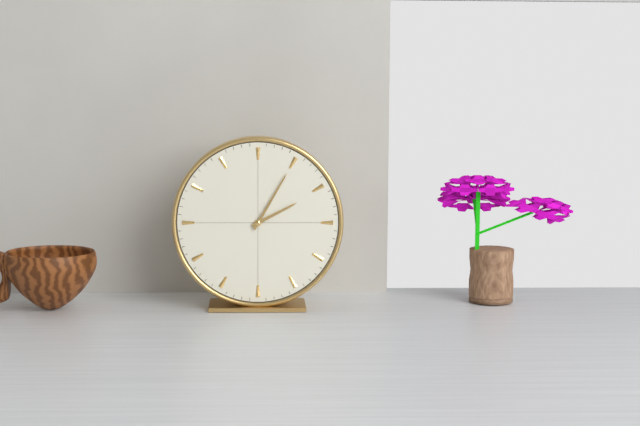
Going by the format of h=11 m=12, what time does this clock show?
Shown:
h=2 m=5
